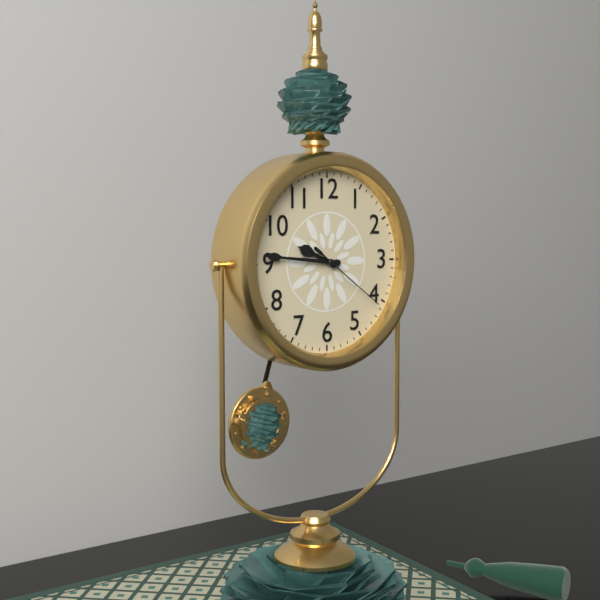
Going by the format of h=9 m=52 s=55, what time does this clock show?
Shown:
h=9 m=46 s=21
